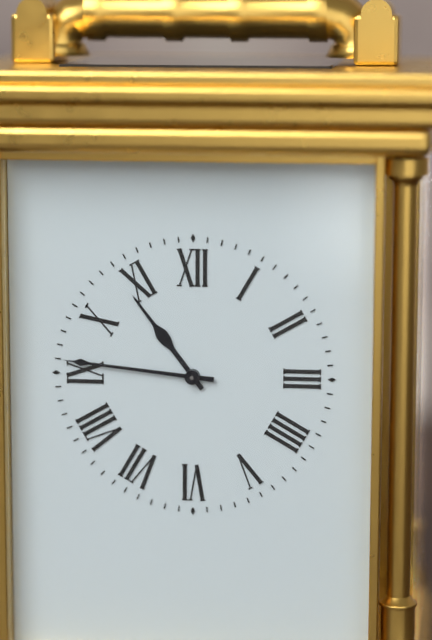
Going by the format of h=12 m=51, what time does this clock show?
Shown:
h=10 m=46
